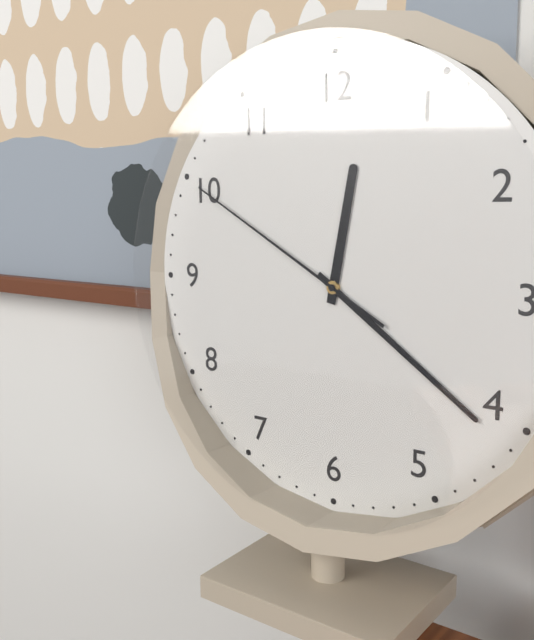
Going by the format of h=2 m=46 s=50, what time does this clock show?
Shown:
h=12 m=21 s=50
